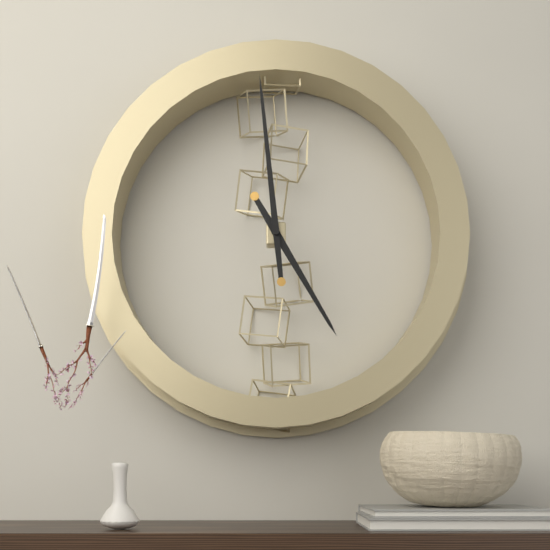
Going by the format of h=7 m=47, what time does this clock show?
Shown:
h=4 m=59
